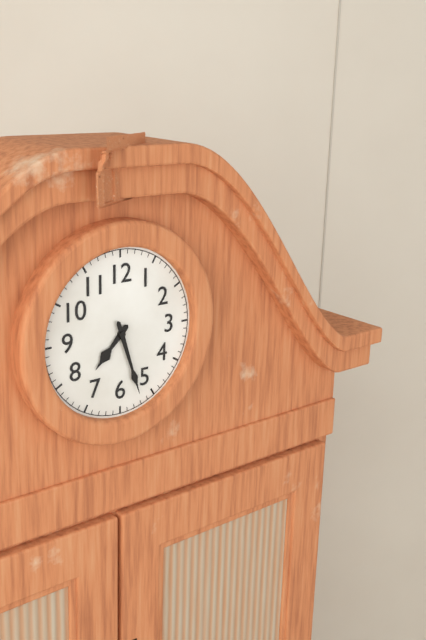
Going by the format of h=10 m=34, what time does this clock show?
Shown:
h=7 m=27
